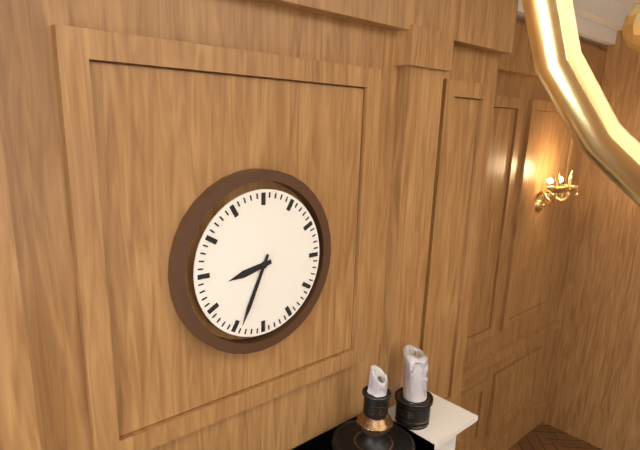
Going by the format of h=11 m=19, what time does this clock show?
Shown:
h=8 m=34
